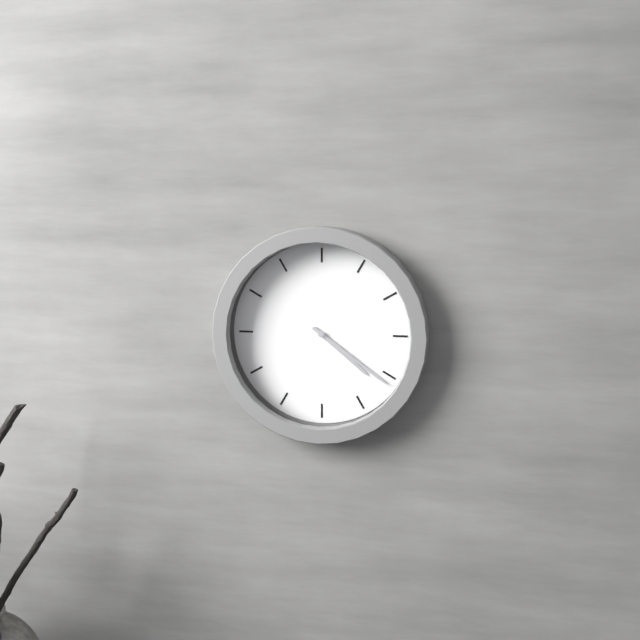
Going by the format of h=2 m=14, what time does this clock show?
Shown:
h=4 m=21
